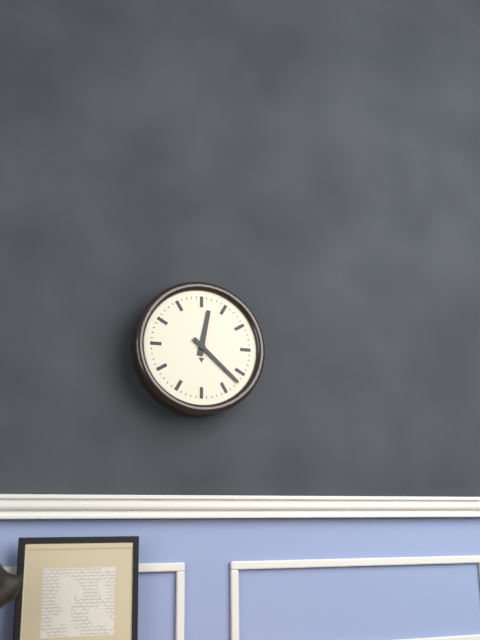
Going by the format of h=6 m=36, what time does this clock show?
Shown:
h=12 m=22
